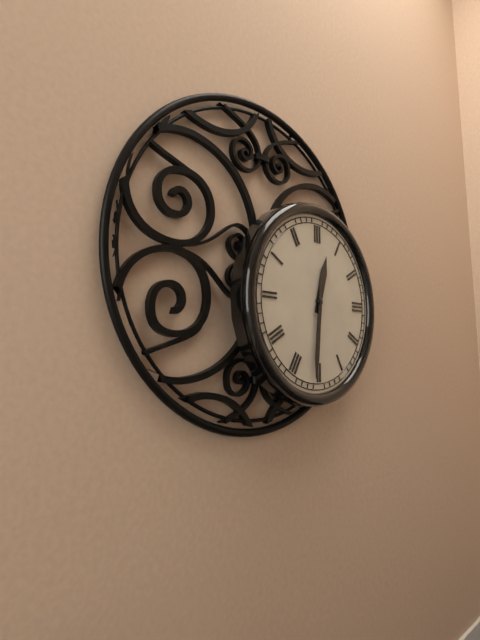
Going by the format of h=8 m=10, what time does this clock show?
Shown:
h=12 m=31
